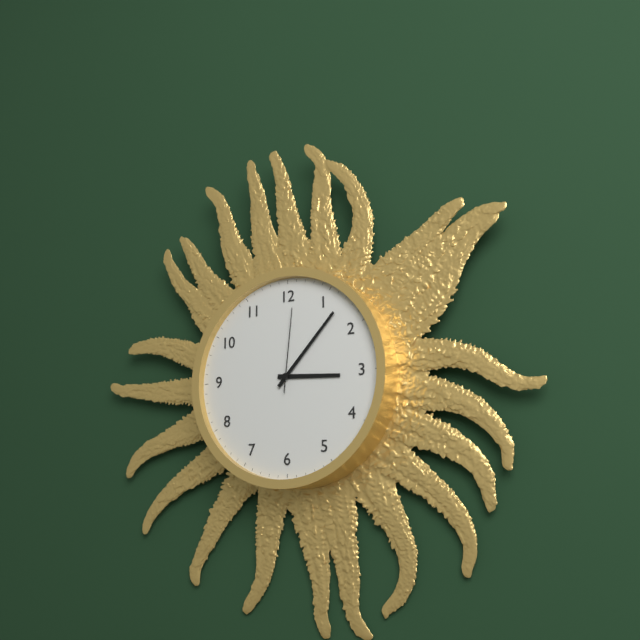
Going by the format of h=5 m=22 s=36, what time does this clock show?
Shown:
h=3 m=7 s=1
